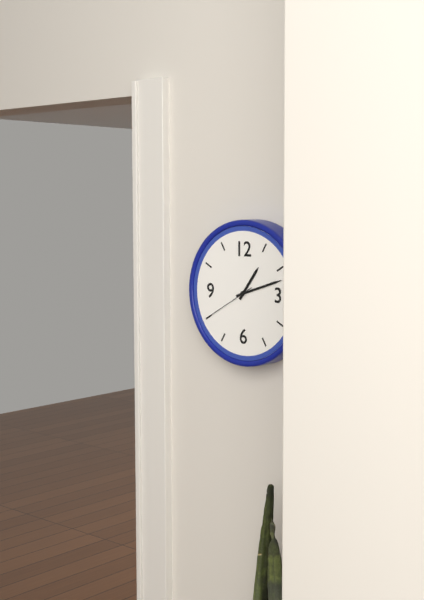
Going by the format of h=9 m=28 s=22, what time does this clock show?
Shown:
h=1 m=12 s=40
